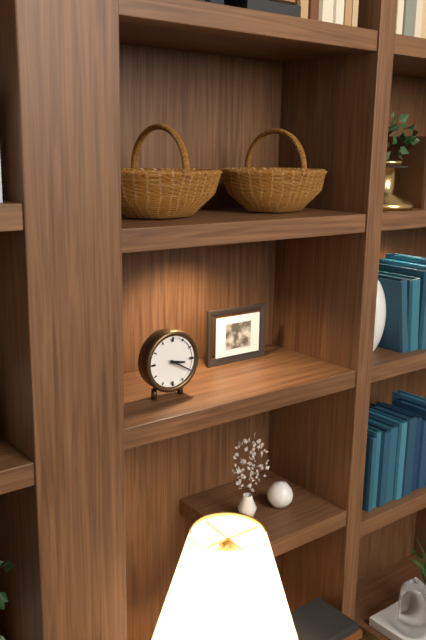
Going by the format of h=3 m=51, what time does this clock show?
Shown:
h=3 m=20
